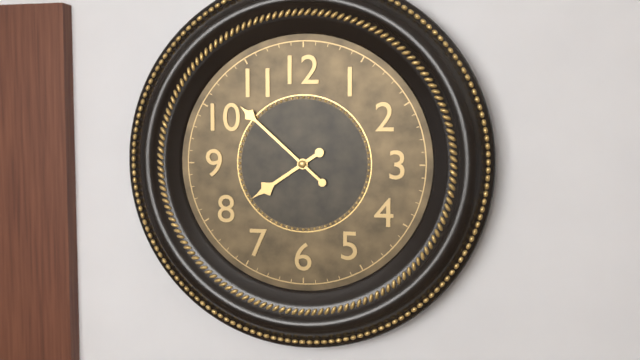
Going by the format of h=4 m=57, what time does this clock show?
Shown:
h=7 m=52
